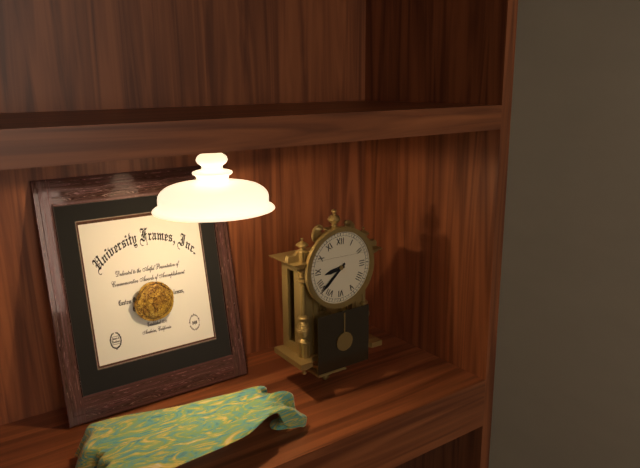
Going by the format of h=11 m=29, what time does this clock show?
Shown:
h=8 m=38
